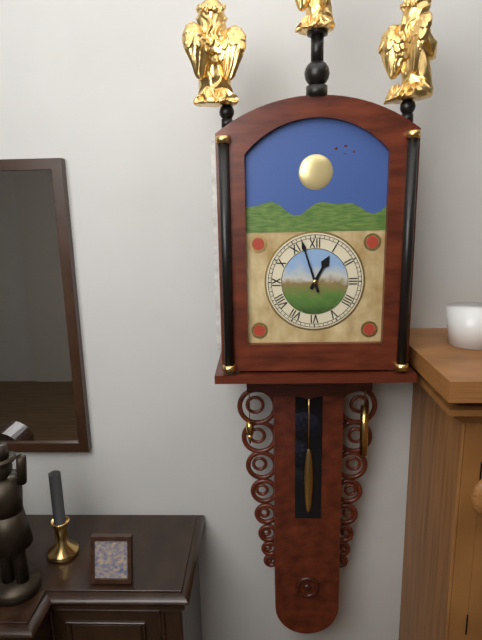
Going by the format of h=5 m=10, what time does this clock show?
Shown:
h=12 m=57
